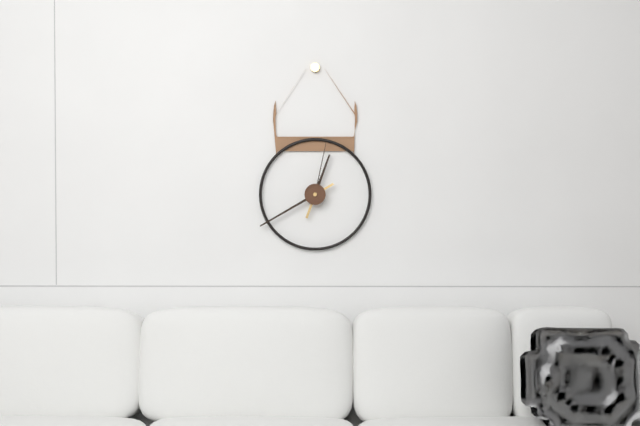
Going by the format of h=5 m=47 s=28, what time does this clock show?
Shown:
h=12 m=40 s=2
